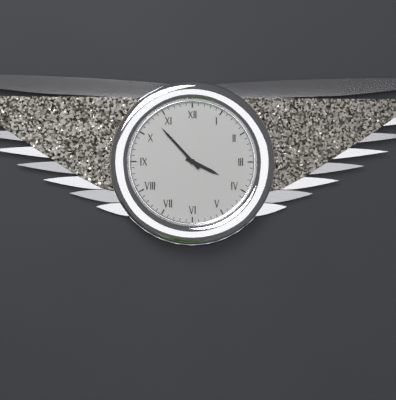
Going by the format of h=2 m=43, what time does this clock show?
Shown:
h=3 m=53
